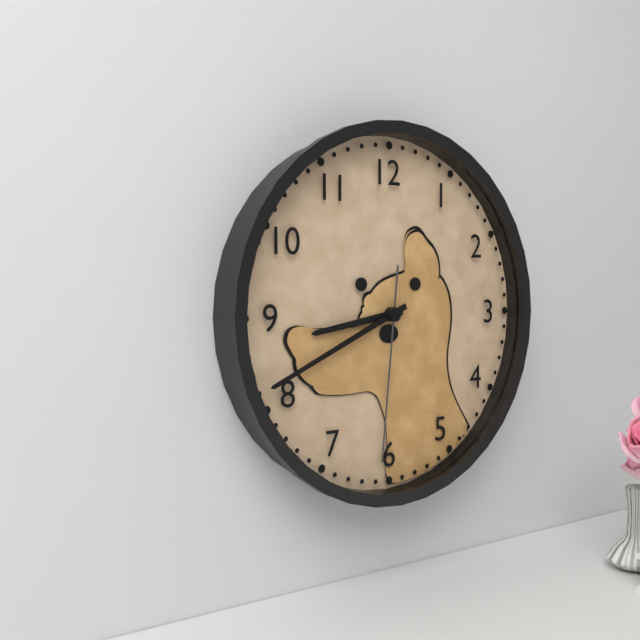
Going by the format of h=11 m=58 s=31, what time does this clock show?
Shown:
h=8 m=41 s=31
